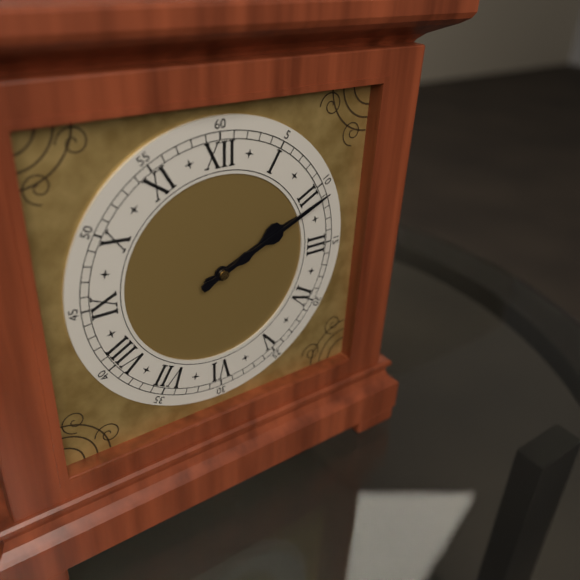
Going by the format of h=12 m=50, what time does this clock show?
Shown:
h=2 m=11
